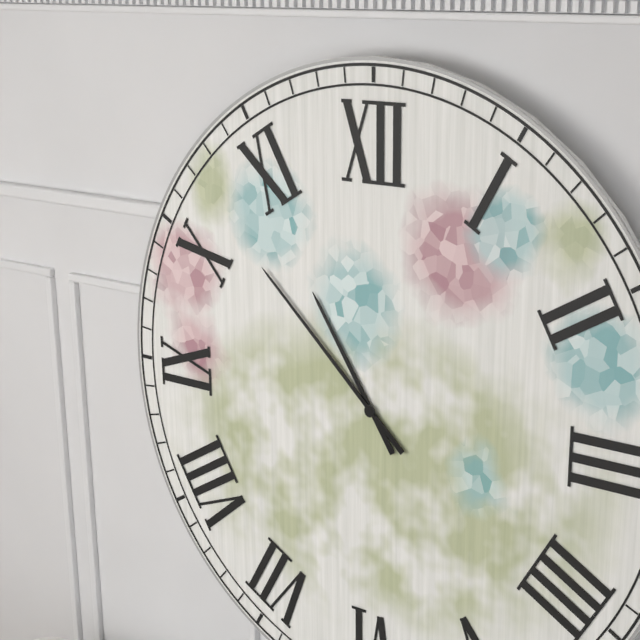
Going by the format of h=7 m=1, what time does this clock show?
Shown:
h=10 m=52
